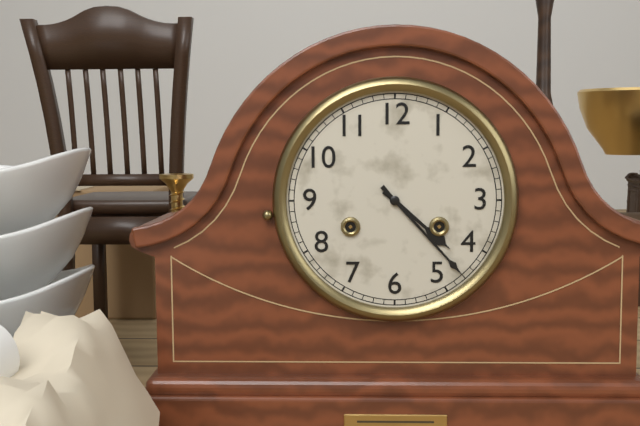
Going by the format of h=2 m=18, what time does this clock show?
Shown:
h=4 m=23
